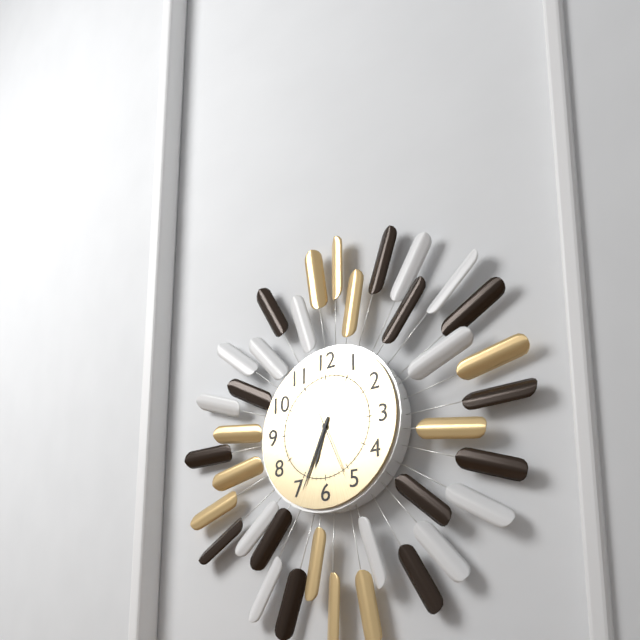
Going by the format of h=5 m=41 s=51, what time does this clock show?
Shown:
h=6 m=34 s=26
